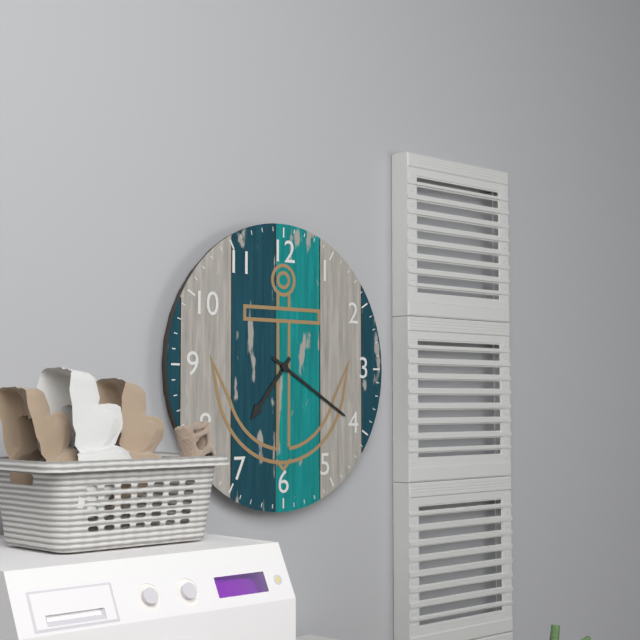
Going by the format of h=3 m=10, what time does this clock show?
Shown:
h=7 m=20
